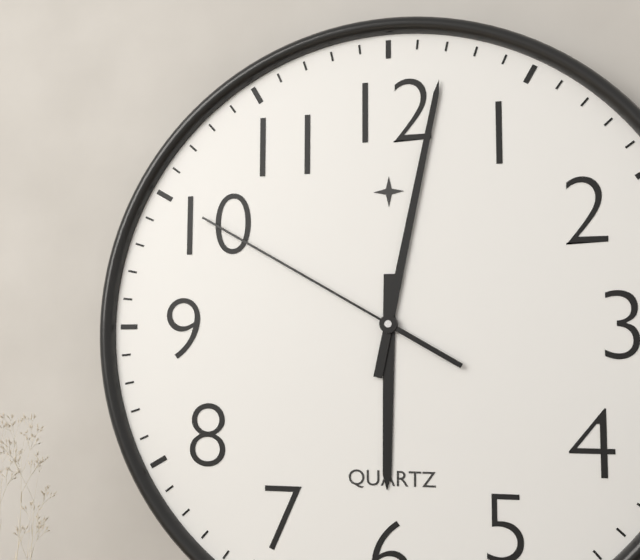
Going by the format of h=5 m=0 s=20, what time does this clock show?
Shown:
h=6 m=2 s=50
